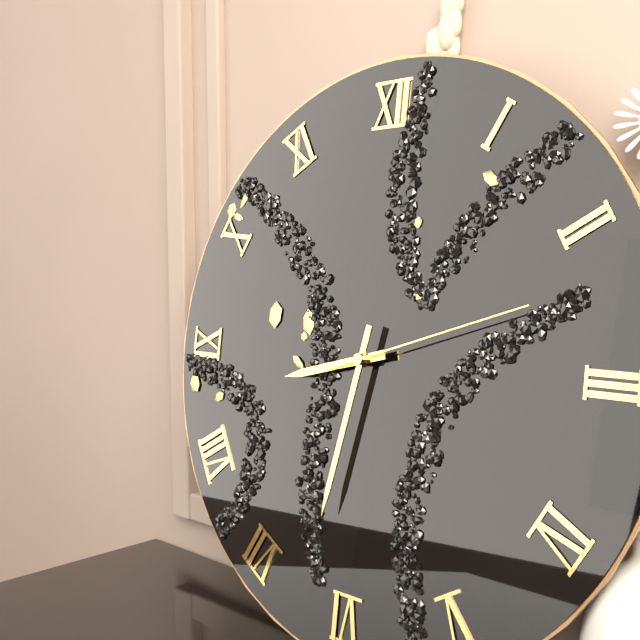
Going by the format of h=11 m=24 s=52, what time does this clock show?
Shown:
h=8 m=32 s=12
